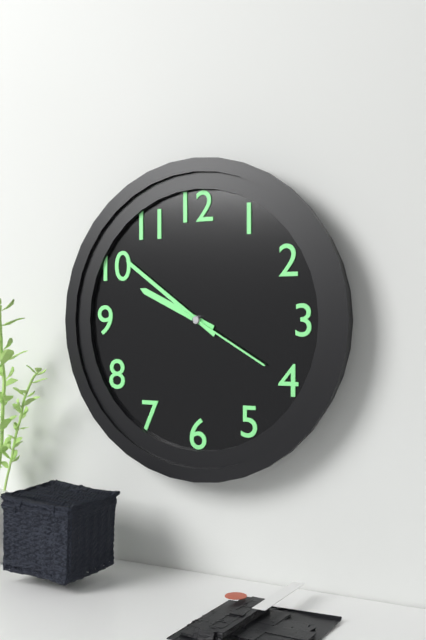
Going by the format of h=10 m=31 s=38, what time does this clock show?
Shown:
h=9 m=51 s=20
